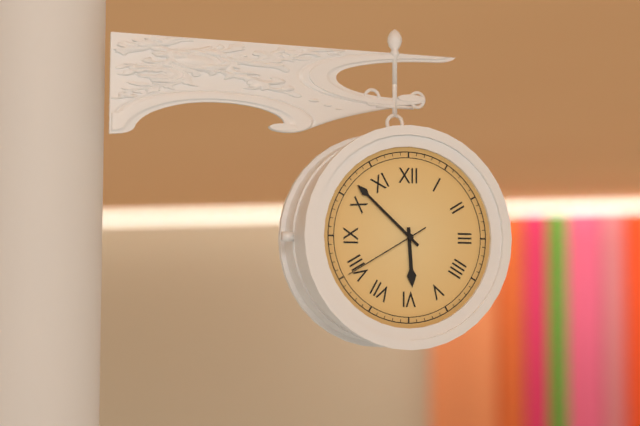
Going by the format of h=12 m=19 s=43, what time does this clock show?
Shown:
h=5 m=52 s=40
